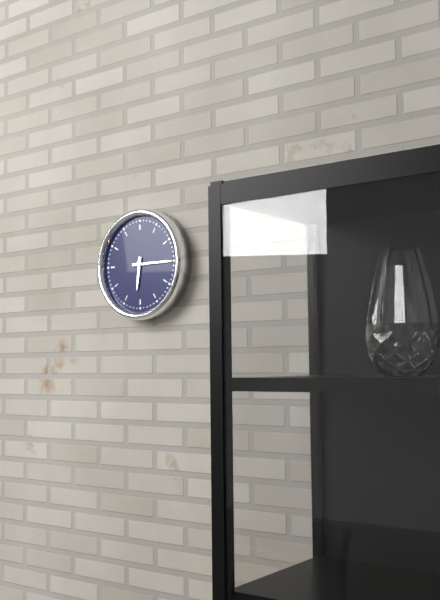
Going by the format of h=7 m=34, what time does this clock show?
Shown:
h=6 m=15
